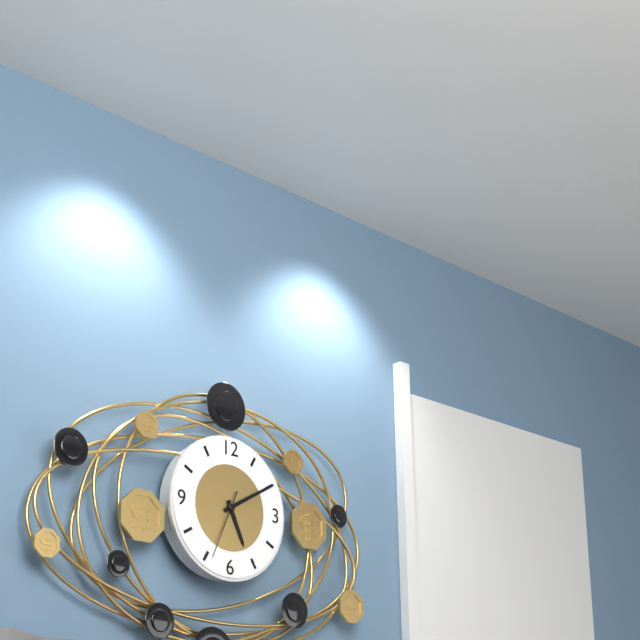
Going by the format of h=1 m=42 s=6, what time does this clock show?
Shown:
h=5 m=10 s=34
